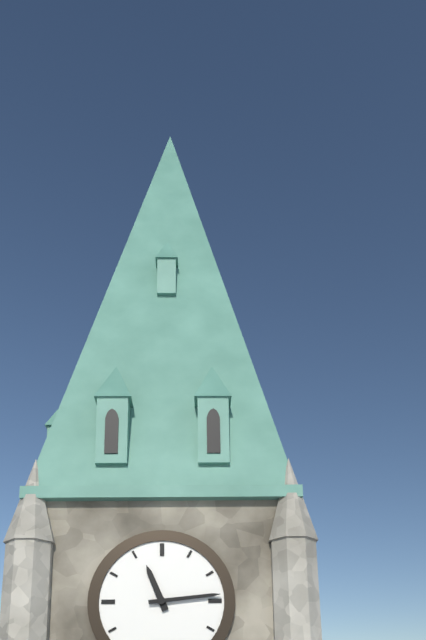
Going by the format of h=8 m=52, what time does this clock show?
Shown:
h=11 m=14
